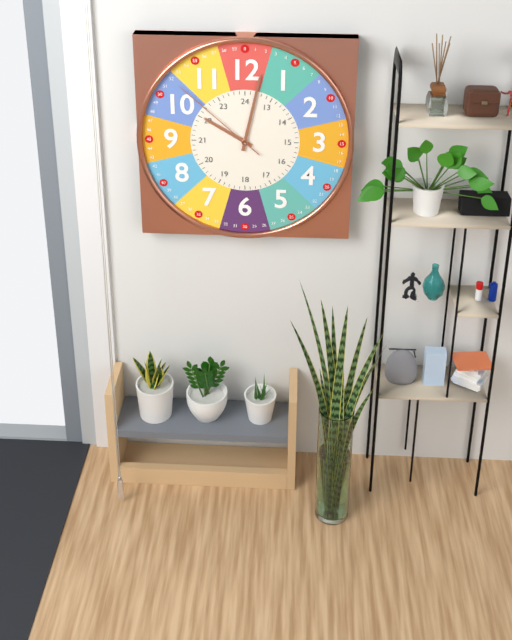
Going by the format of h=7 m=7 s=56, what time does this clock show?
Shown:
h=10 m=2 s=52
